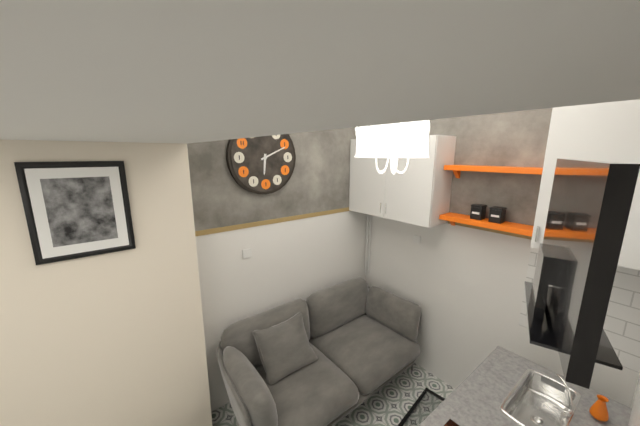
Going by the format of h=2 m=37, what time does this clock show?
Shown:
h=6 m=11
